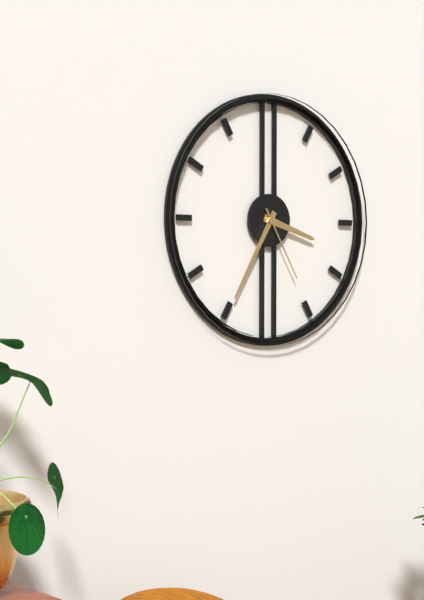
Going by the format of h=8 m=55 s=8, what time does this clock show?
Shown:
h=3 m=35 s=25
